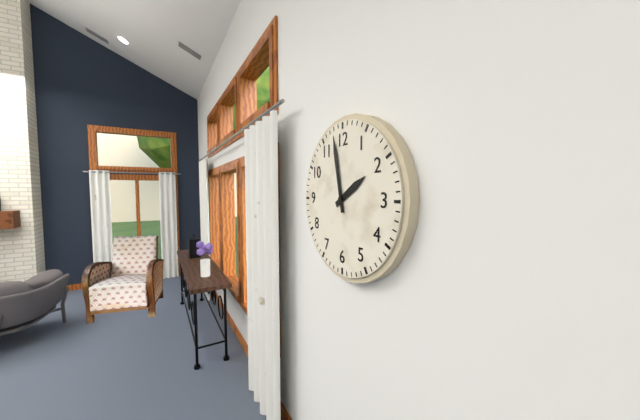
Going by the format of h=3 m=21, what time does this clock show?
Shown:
h=1 m=58
